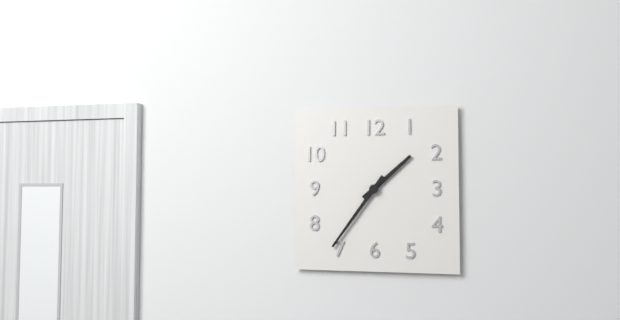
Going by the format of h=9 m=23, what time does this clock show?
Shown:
h=1 m=36
